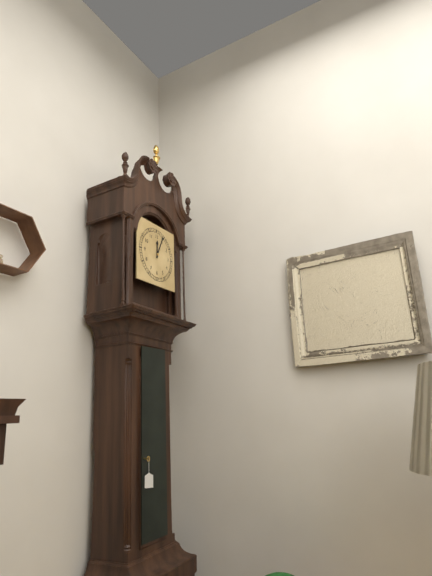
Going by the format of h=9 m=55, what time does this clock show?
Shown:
h=12 m=4
